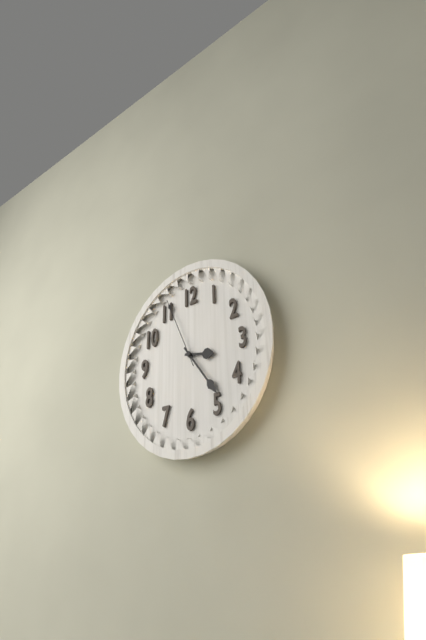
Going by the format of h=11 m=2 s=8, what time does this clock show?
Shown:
h=3 m=24 s=56
